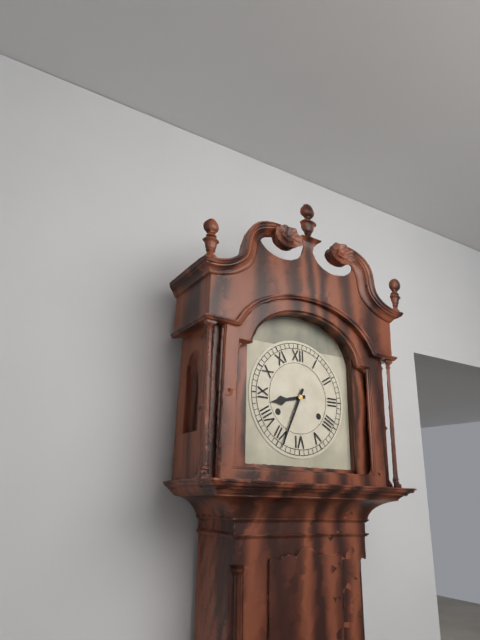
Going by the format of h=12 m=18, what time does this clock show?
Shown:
h=8 m=34
